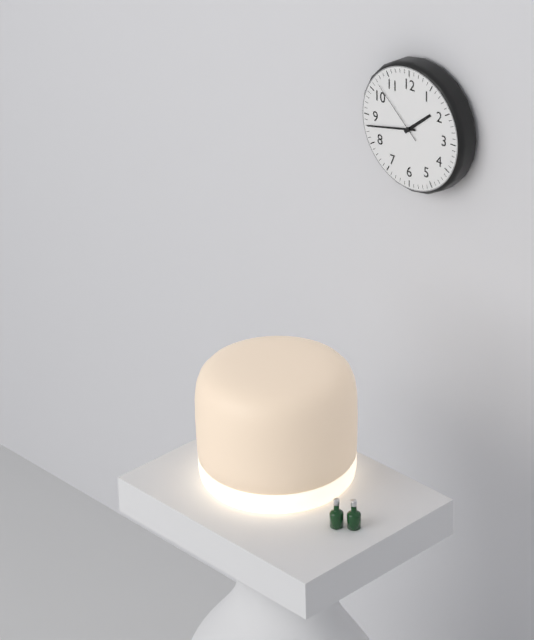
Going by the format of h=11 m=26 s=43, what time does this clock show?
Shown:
h=1 m=43 s=52
